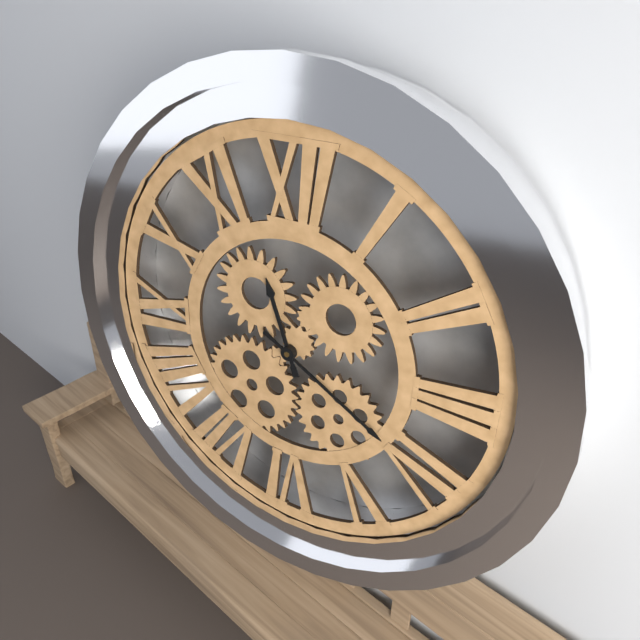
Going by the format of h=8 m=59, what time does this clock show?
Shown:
h=11 m=20
